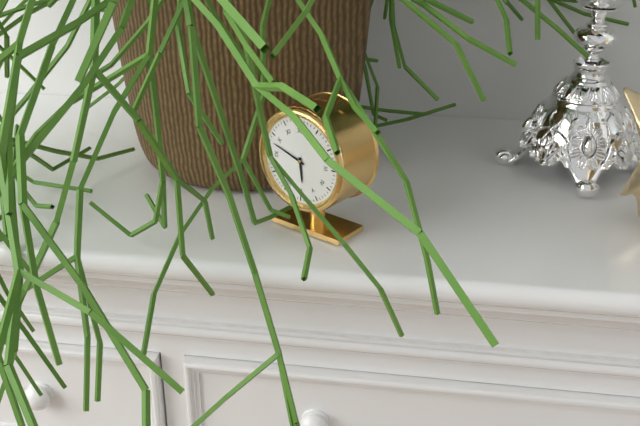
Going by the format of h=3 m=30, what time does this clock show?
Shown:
h=5 m=48
